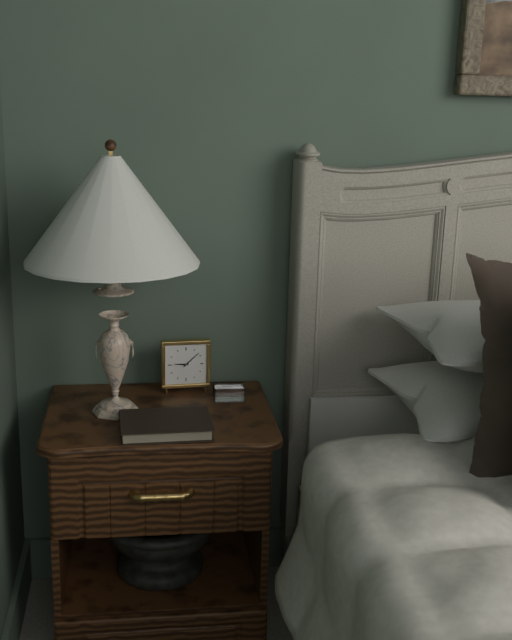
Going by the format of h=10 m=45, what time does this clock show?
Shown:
h=9 m=8
